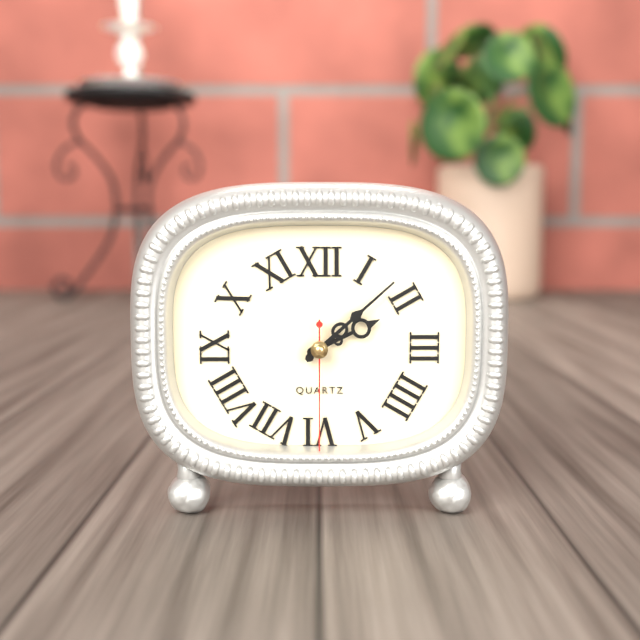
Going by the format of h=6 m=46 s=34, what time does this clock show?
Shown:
h=2 m=8 s=30
